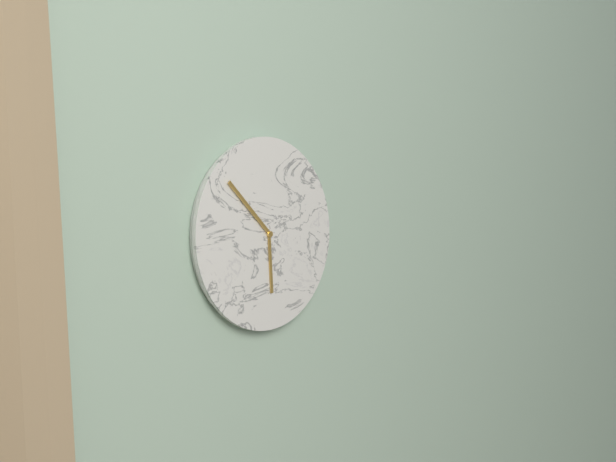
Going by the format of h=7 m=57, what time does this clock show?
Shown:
h=5 m=52
